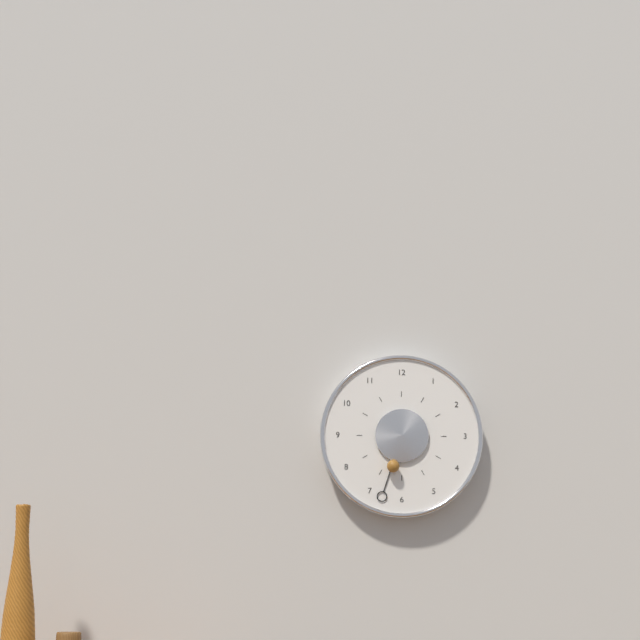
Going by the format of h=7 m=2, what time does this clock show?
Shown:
h=6 m=33
